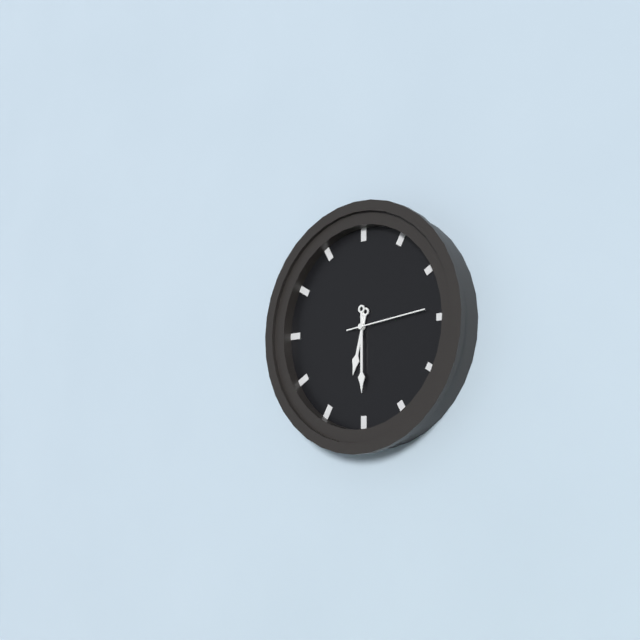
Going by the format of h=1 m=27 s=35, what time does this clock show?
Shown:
h=6 m=30 s=14
